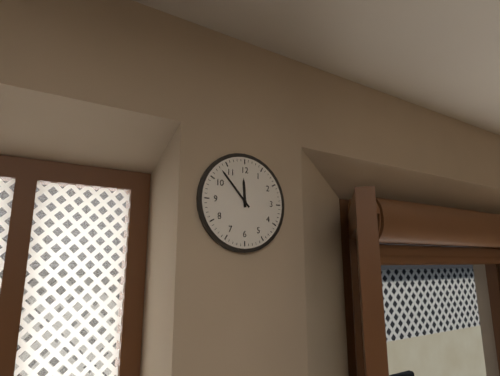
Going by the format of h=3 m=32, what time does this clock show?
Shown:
h=11 m=53
